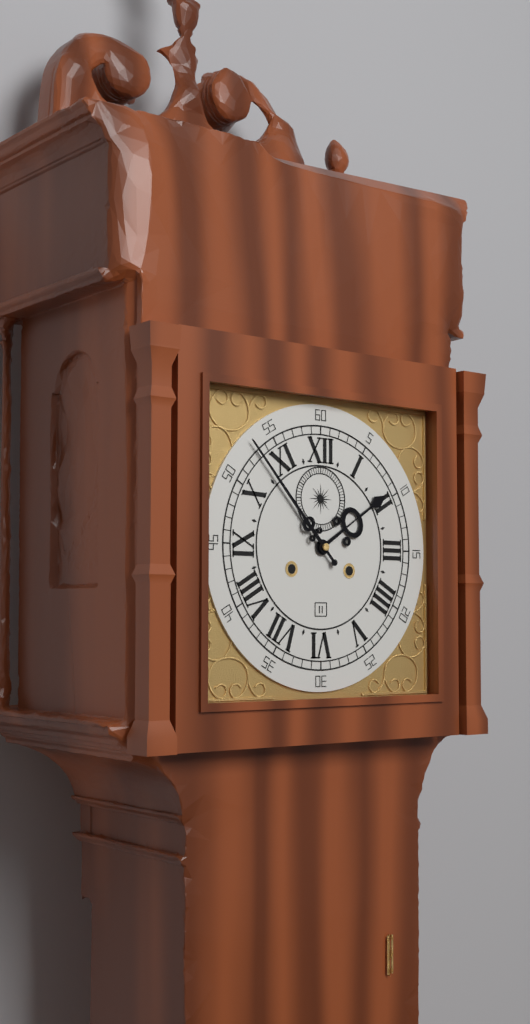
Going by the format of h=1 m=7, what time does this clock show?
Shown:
h=1 m=53
